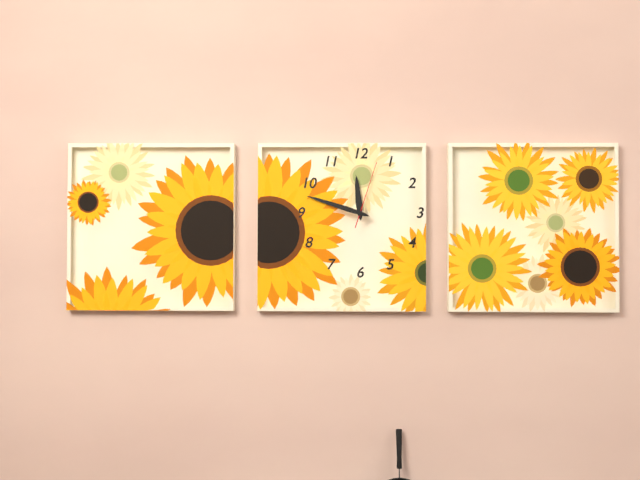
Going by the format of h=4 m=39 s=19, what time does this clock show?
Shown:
h=11 m=48 s=3
